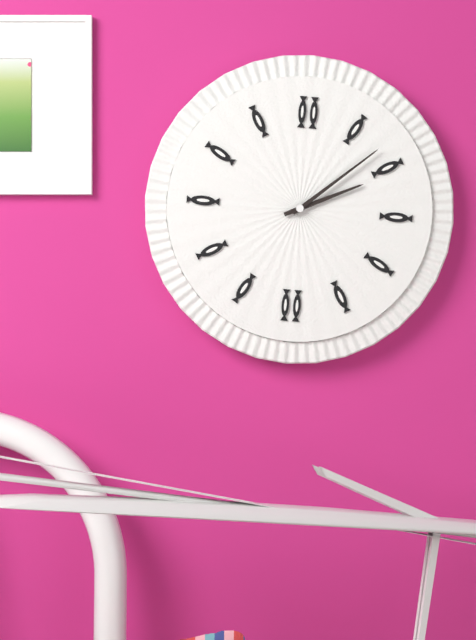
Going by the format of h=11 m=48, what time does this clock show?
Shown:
h=2 m=8
